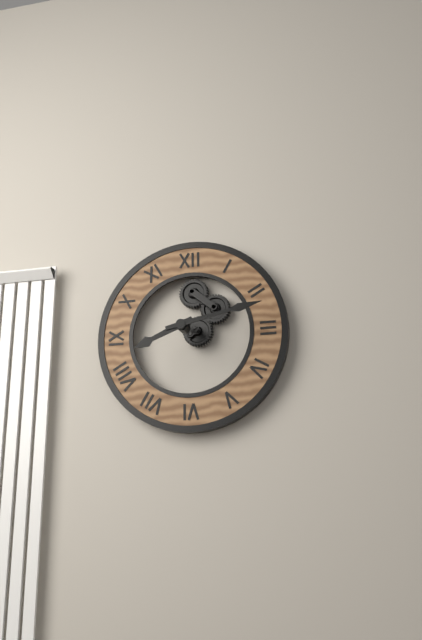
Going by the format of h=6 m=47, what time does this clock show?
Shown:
h=8 m=13
